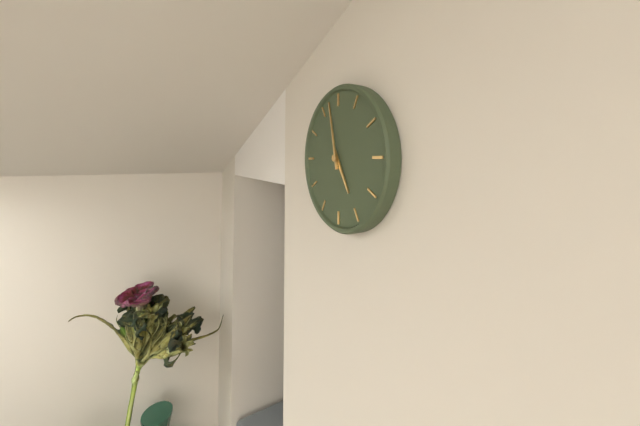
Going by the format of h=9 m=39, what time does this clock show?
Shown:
h=4 m=58
